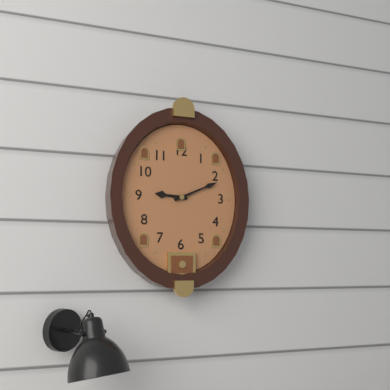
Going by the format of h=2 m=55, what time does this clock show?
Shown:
h=9 m=11
